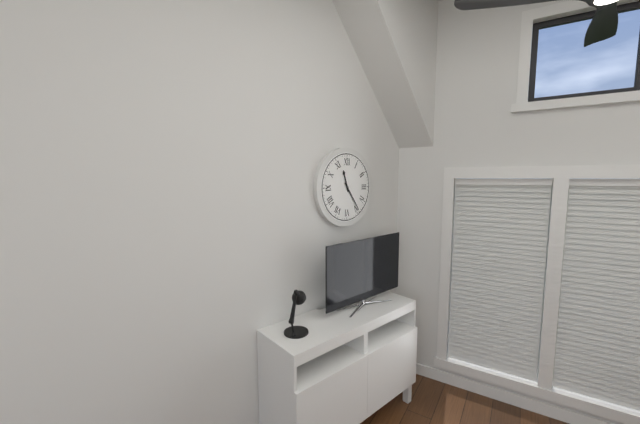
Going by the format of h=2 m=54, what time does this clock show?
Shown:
h=11 m=24
